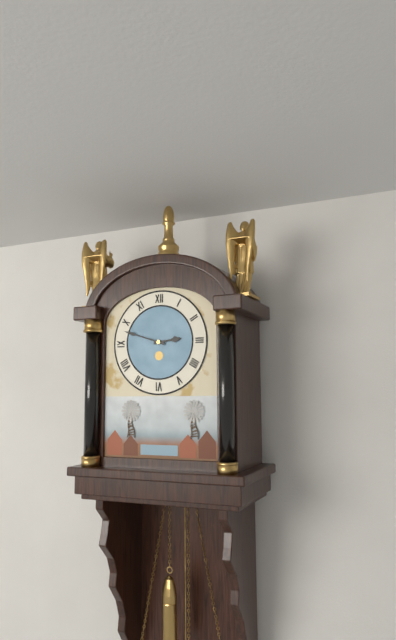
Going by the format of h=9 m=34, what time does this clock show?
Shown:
h=2 m=48
